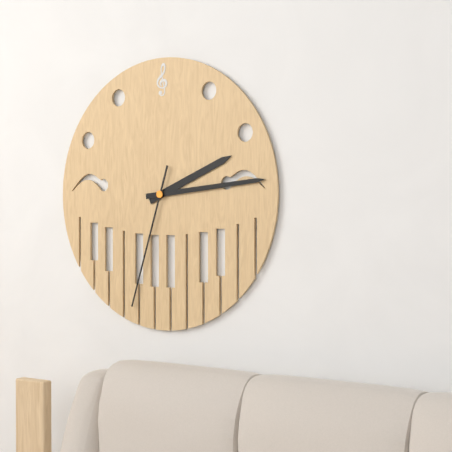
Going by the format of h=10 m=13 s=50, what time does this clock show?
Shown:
h=2 m=14 s=33
